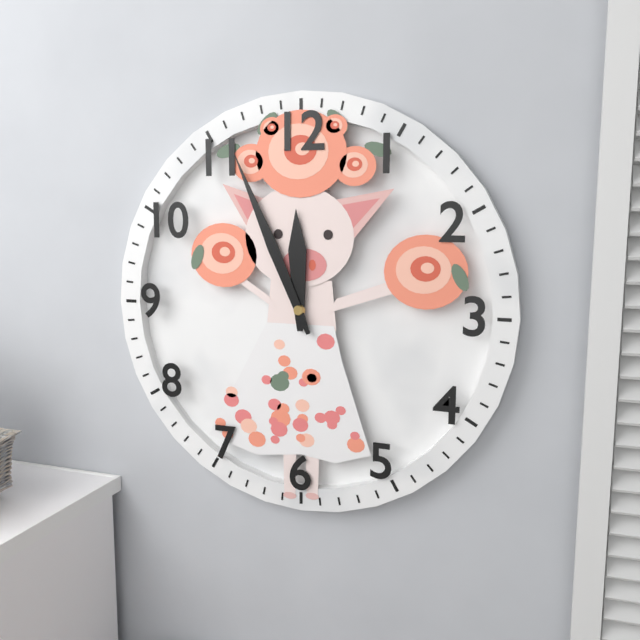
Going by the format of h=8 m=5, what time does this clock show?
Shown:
h=11 m=56
